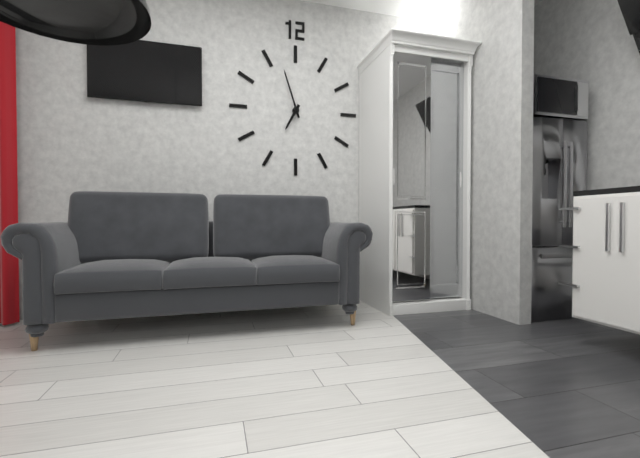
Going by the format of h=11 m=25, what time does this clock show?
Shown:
h=6 m=57
